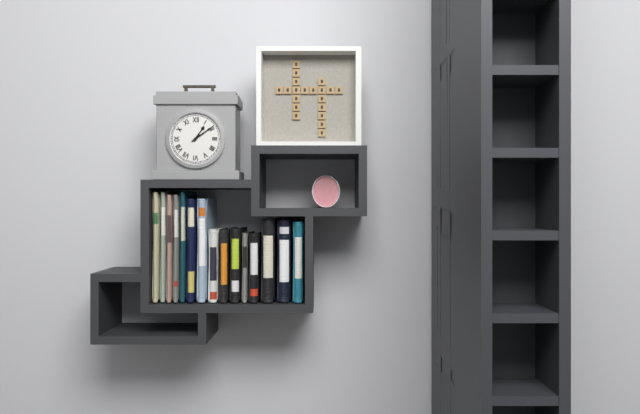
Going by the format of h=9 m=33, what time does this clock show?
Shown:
h=1 m=9
